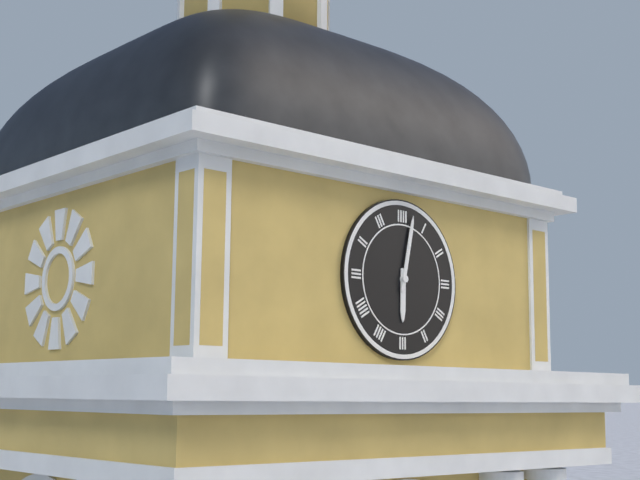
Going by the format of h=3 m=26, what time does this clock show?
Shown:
h=6 m=2
